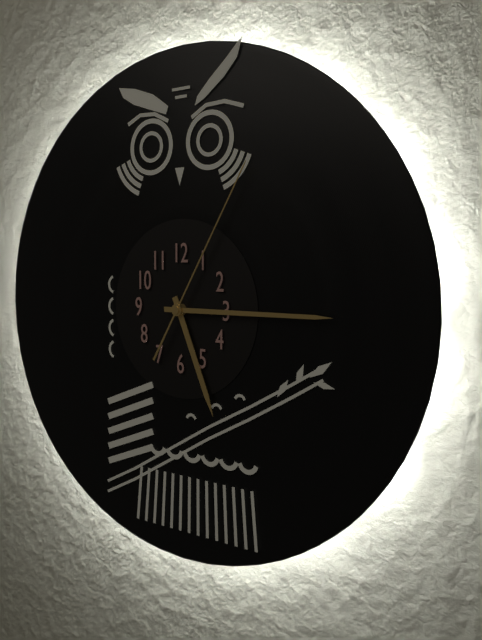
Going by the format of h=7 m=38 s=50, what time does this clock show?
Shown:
h=5 m=15 s=5
